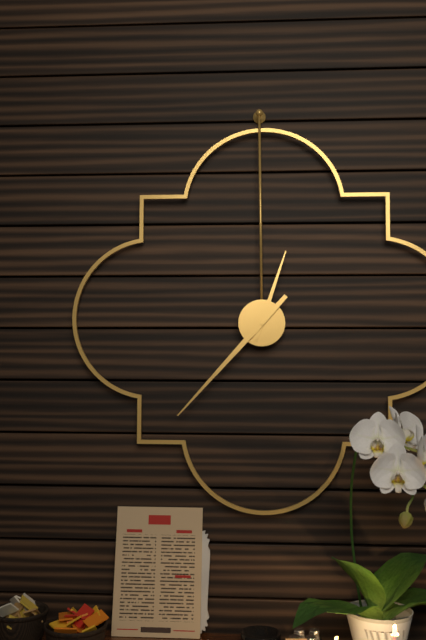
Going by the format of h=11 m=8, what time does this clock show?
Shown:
h=12 m=37
